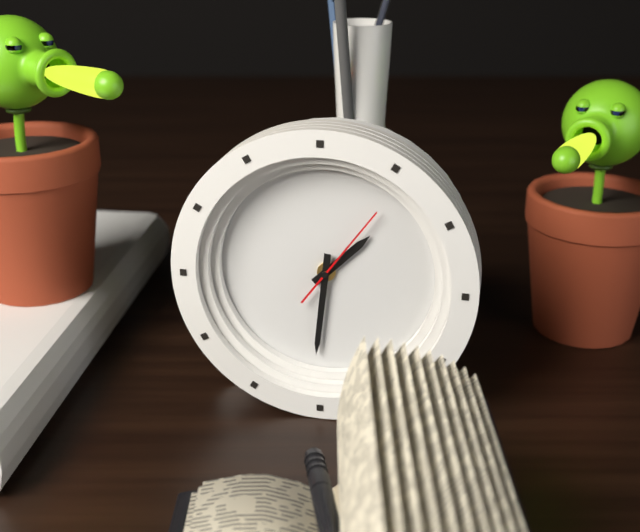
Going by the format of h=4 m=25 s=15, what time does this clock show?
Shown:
h=1 m=31 s=6
